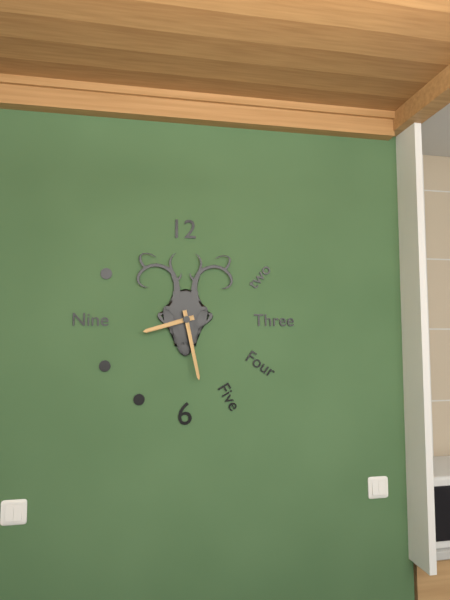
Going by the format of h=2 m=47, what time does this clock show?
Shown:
h=8 m=28
